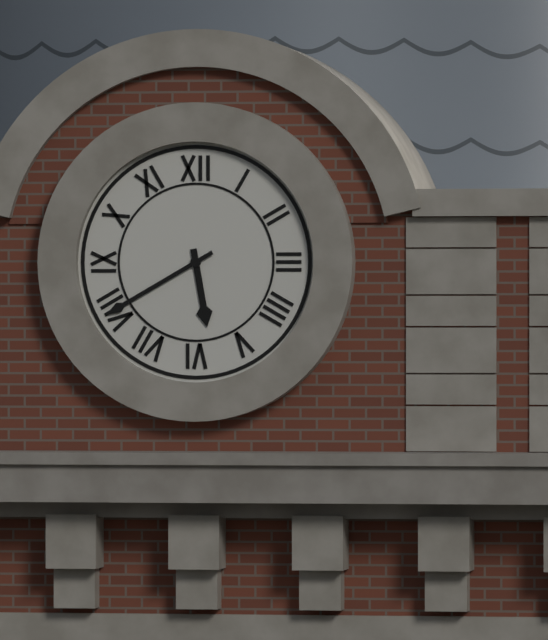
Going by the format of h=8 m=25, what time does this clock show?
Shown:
h=5 m=40
